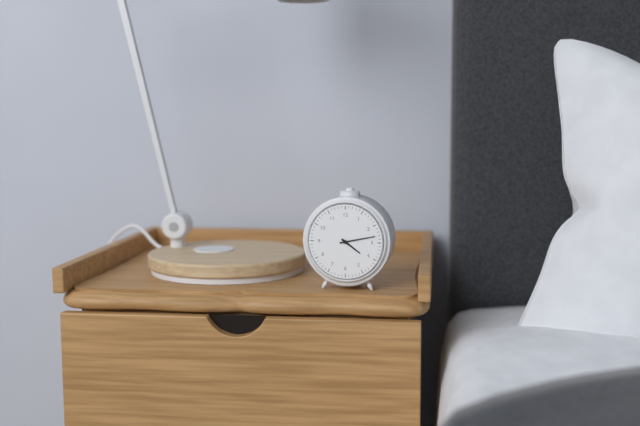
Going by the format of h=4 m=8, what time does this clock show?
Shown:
h=4 m=13
